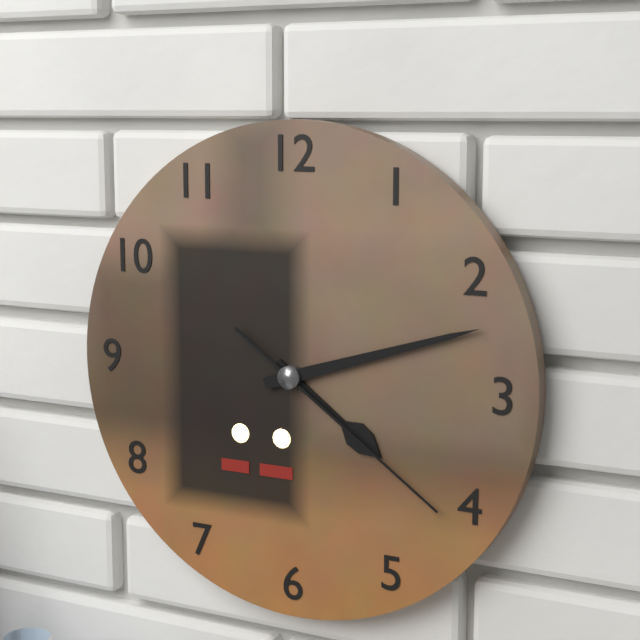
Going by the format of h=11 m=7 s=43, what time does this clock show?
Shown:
h=4 m=12 s=21
